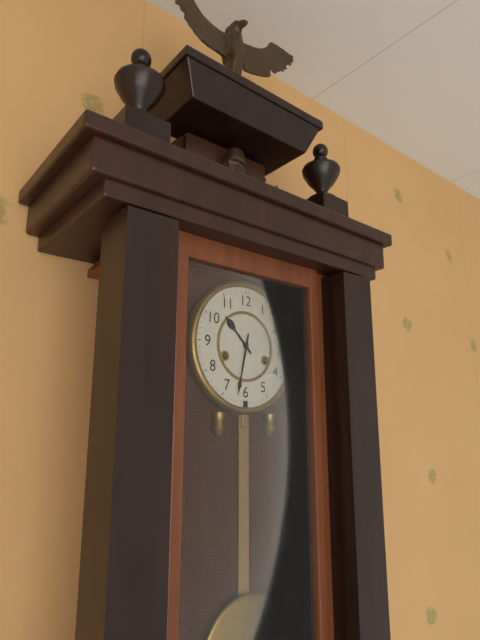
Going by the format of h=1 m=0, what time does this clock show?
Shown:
h=10 m=32
